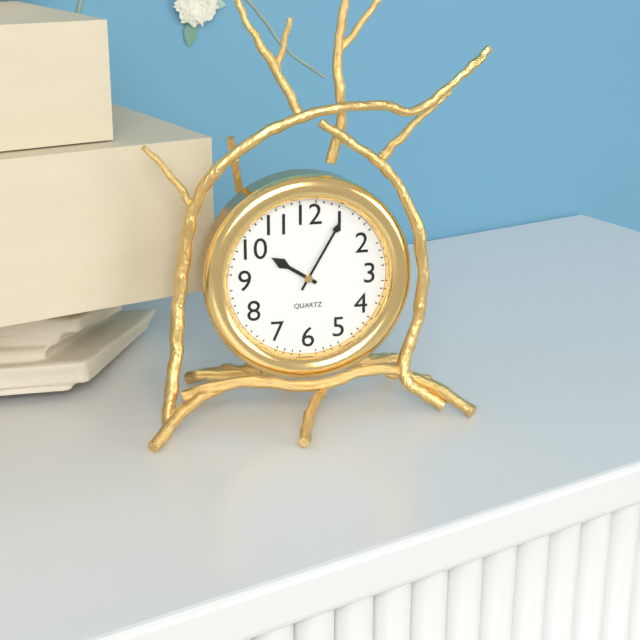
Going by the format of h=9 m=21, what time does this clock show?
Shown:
h=10 m=5
